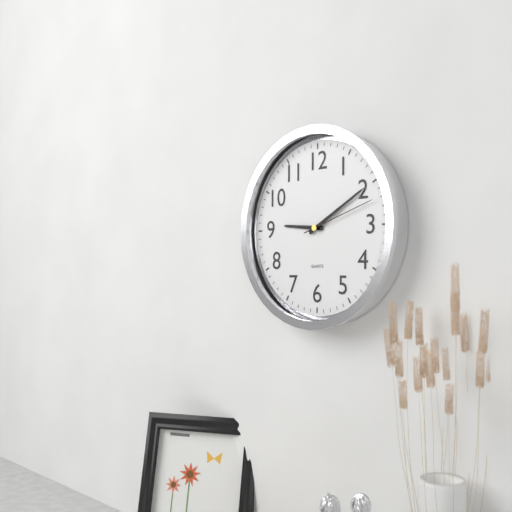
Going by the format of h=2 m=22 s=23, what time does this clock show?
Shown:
h=9 m=10 s=12
